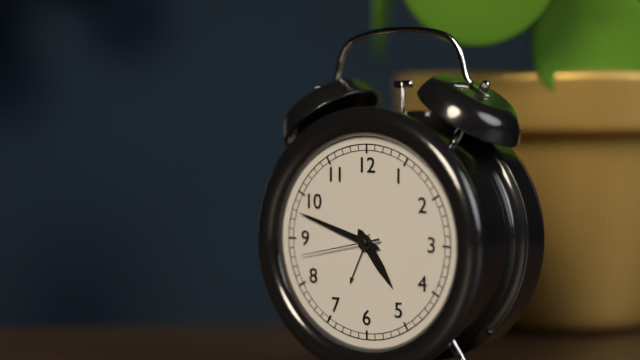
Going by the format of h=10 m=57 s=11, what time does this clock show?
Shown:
h=4 m=48 s=43
